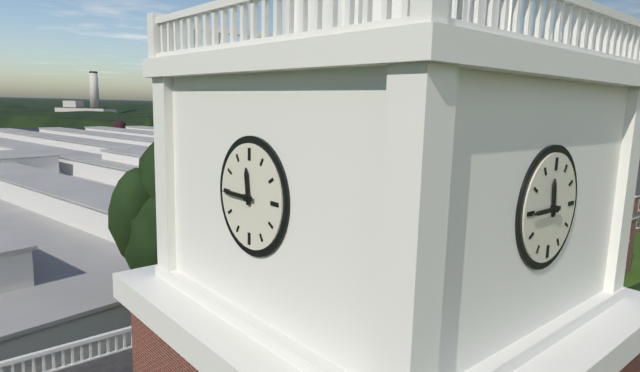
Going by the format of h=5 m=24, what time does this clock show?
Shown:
h=11 m=45
